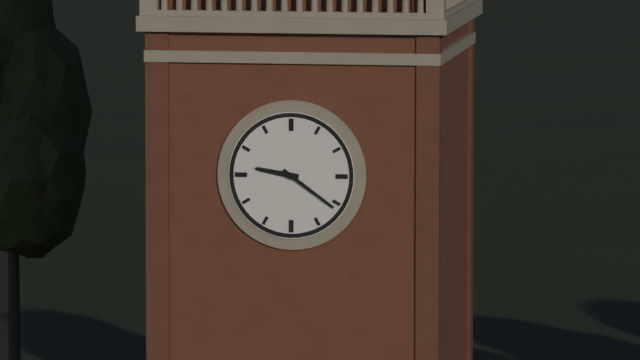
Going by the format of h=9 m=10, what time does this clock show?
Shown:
h=9 m=21
